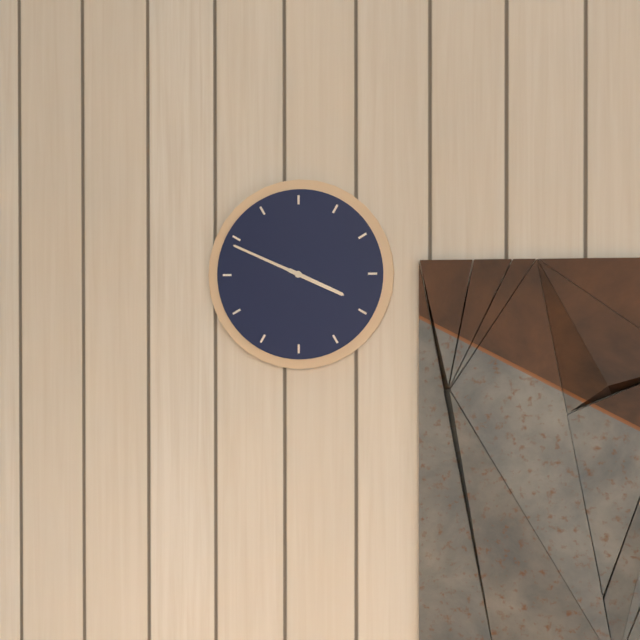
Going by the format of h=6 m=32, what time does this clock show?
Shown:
h=3 m=49
